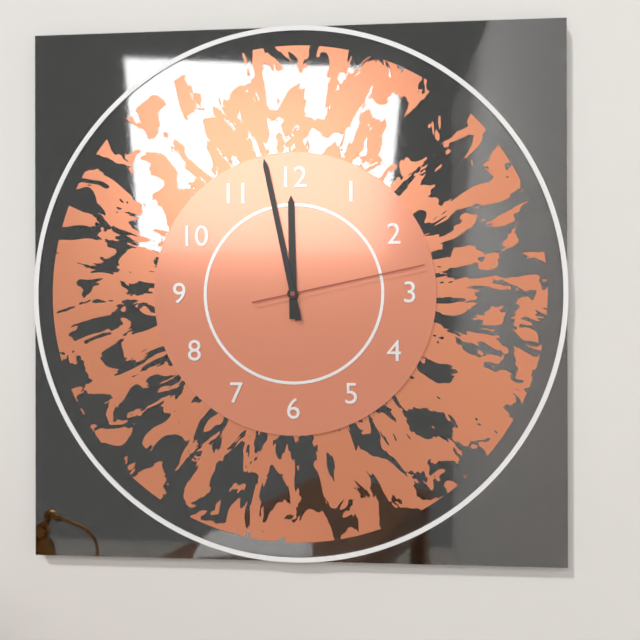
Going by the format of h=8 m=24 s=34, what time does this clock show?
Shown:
h=11 m=58 s=13
